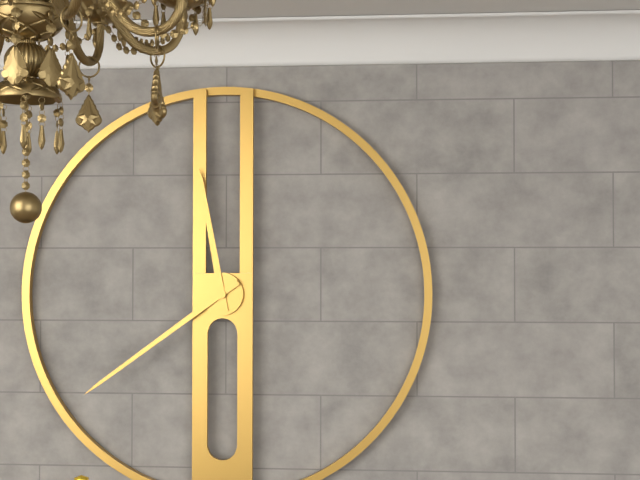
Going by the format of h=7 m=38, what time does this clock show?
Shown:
h=11 m=39
